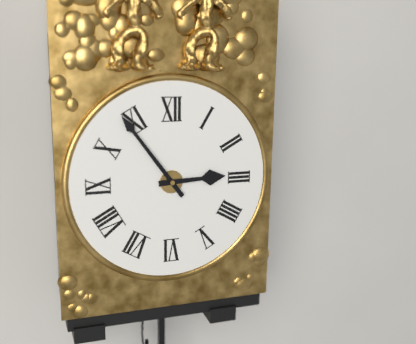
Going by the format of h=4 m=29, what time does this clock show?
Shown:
h=2 m=54
